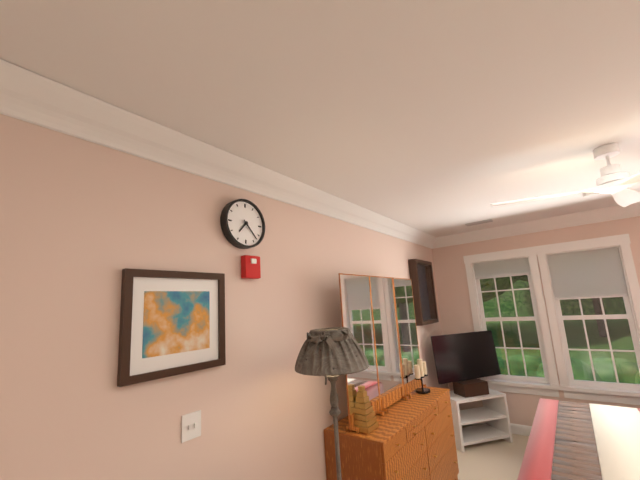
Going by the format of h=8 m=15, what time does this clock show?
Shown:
h=7 m=23
